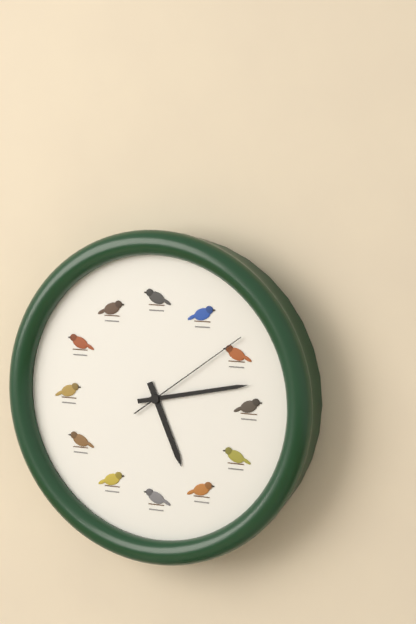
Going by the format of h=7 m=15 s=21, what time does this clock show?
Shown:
h=5 m=13 s=9
